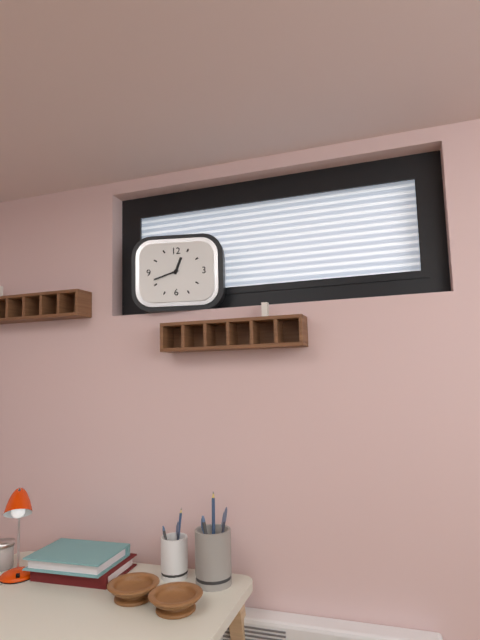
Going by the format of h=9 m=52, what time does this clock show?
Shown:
h=12 m=42
